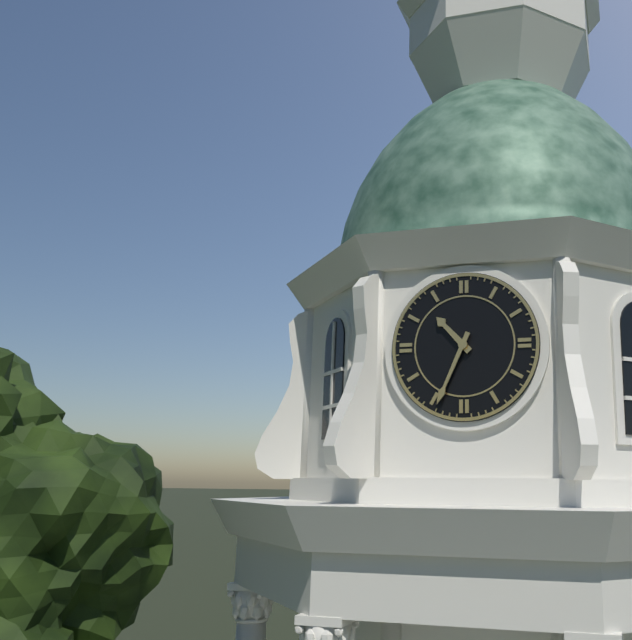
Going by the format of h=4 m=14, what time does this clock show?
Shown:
h=10 m=34
